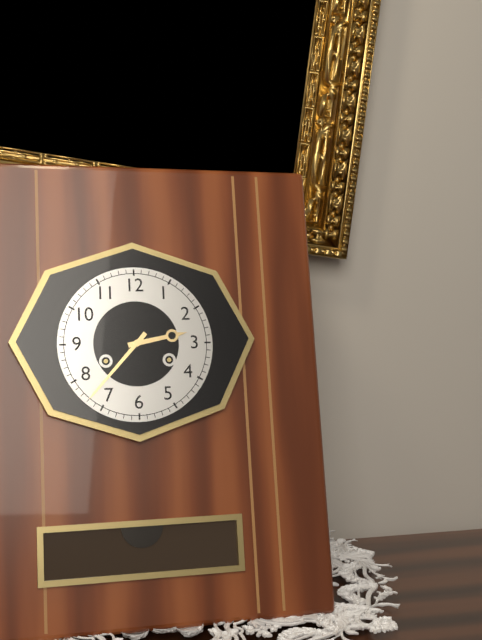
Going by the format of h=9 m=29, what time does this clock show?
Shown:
h=2 m=37
